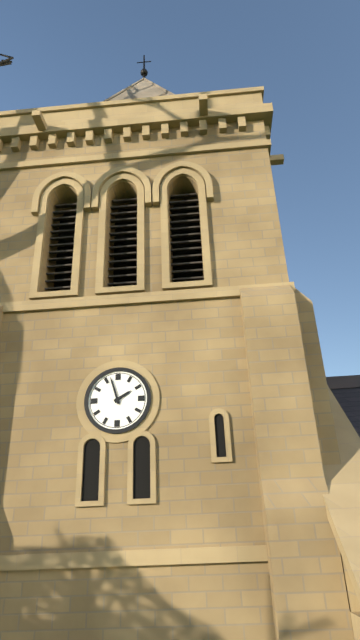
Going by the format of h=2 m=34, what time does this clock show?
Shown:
h=1 m=57
